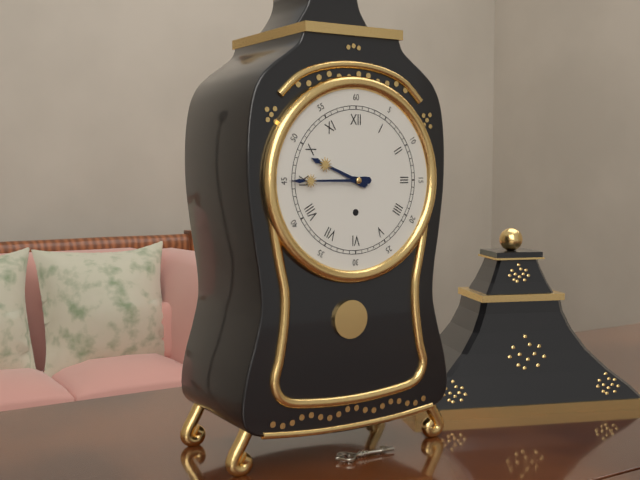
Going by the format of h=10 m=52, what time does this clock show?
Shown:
h=9 m=45
